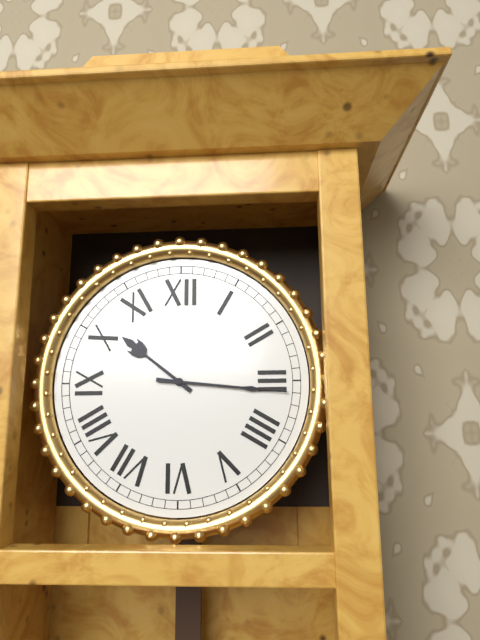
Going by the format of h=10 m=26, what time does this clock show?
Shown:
h=10 m=16
